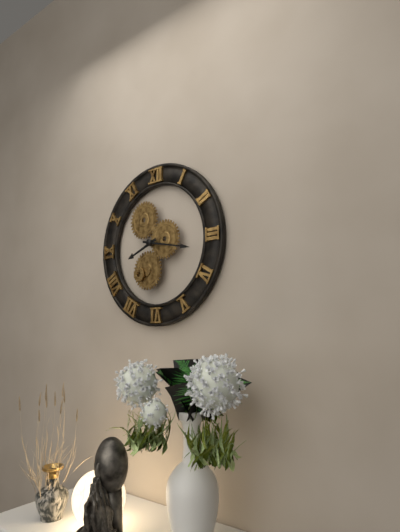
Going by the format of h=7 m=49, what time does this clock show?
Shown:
h=8 m=17
